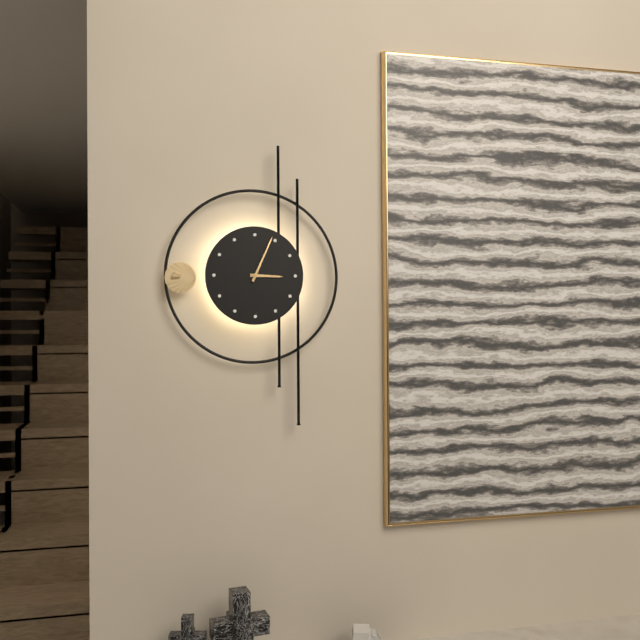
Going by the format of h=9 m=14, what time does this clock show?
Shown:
h=3 m=4
